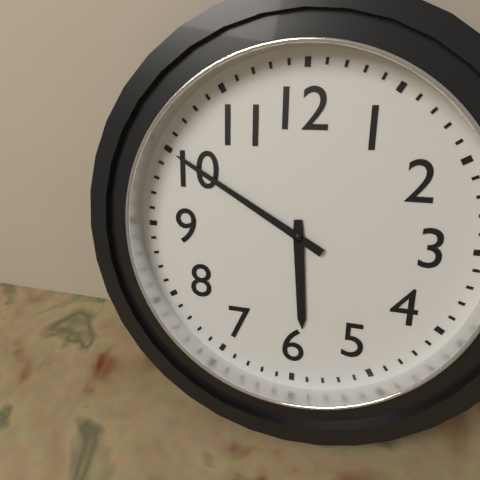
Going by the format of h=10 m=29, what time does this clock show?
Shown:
h=5 m=50
